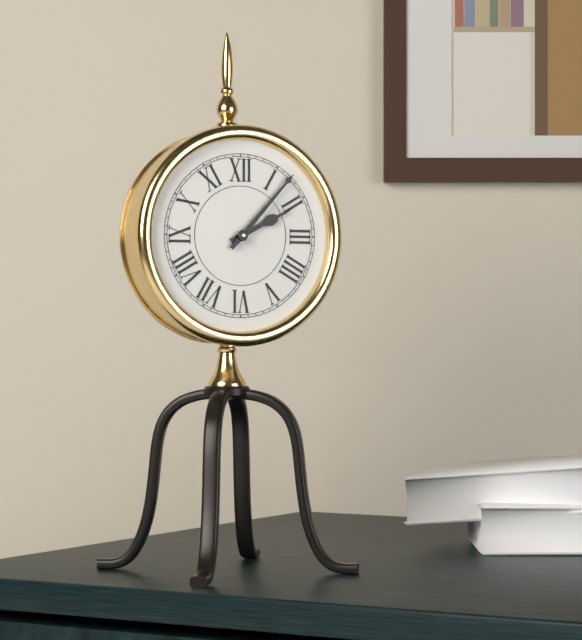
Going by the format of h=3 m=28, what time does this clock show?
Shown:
h=2 m=7
